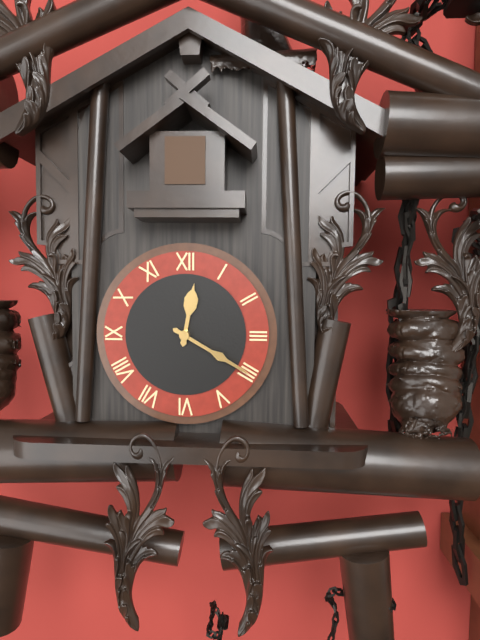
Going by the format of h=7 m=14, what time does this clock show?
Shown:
h=12 m=20
